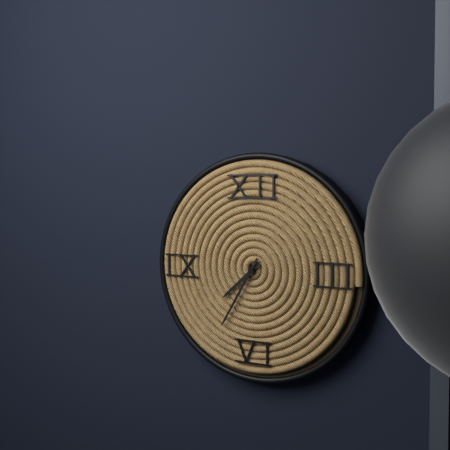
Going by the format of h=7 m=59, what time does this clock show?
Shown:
h=7 m=35
